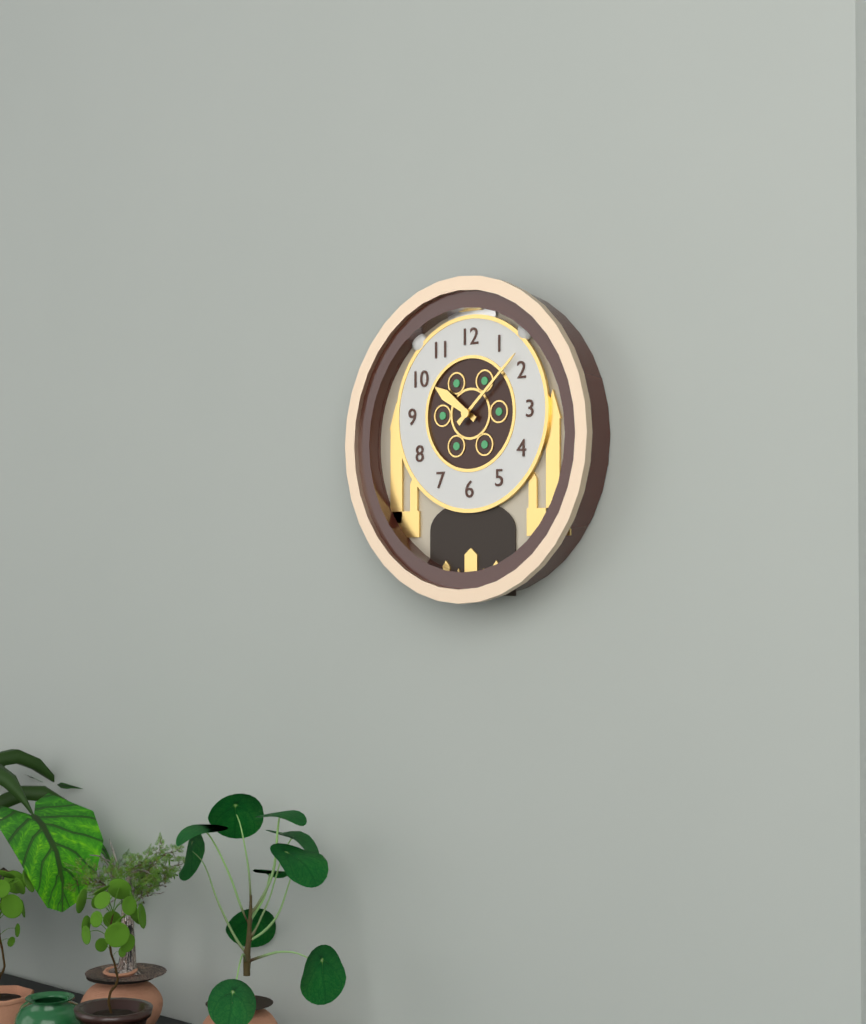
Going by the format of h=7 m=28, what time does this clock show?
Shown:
h=10 m=8
